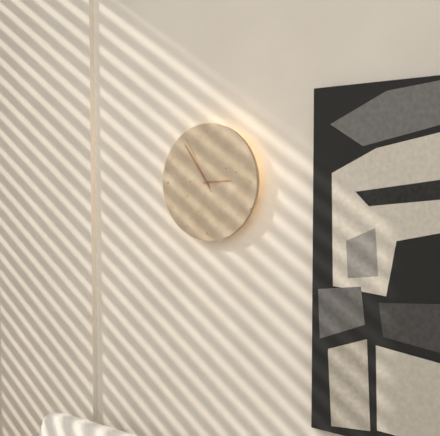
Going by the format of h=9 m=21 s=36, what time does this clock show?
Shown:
h=2 m=54 s=55
